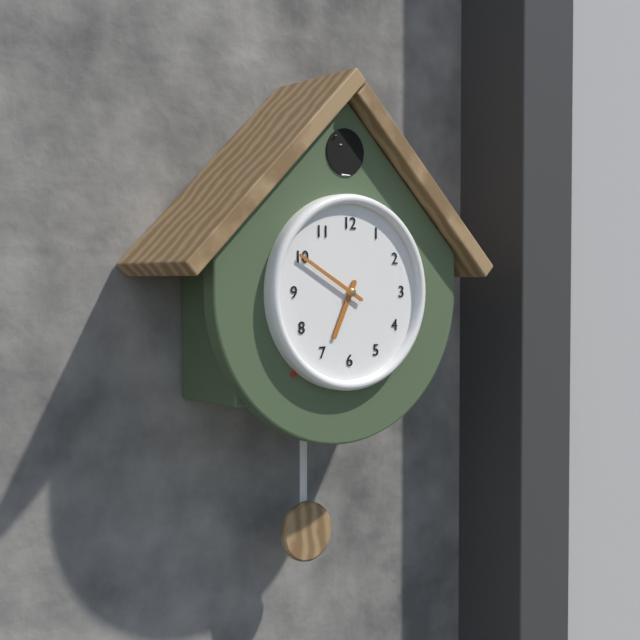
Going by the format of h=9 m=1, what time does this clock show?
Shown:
h=6 m=50
